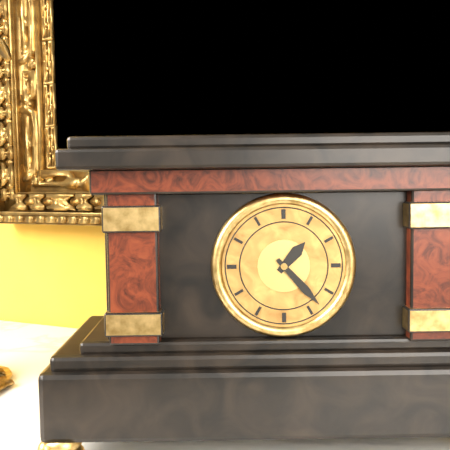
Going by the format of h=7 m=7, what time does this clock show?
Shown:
h=1 m=23
